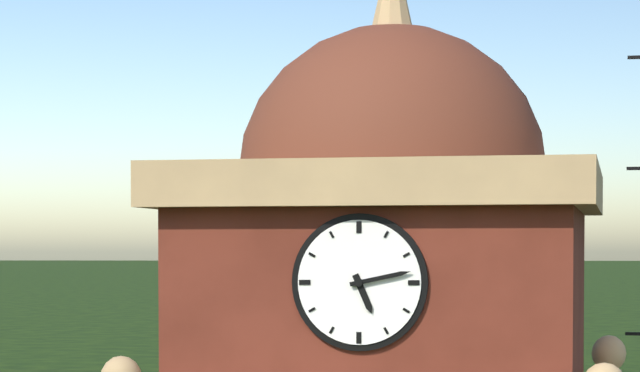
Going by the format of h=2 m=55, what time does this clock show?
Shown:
h=5 m=13
